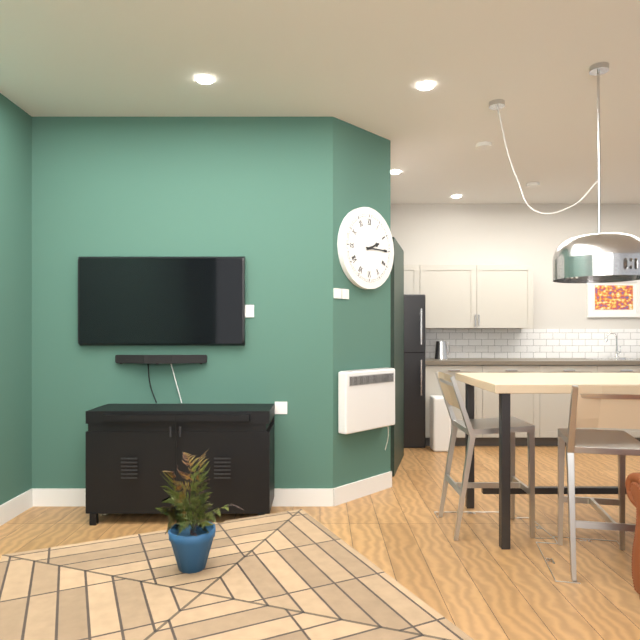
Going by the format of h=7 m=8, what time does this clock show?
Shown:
h=2 m=15
